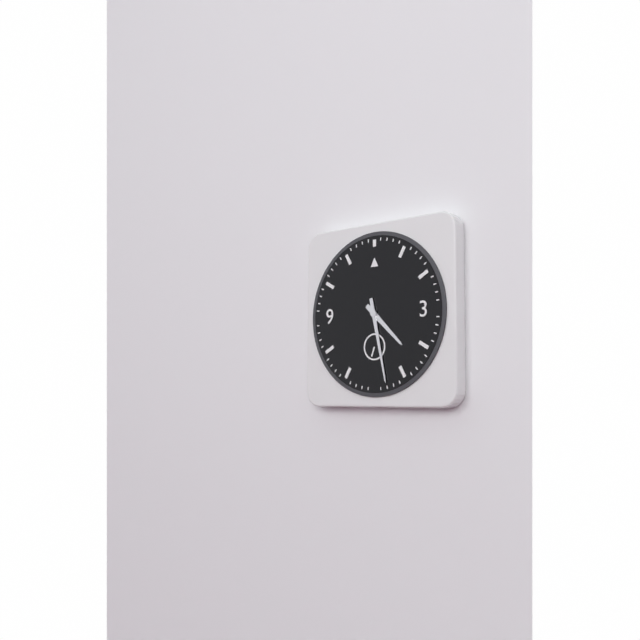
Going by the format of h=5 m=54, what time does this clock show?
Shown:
h=4 m=28
